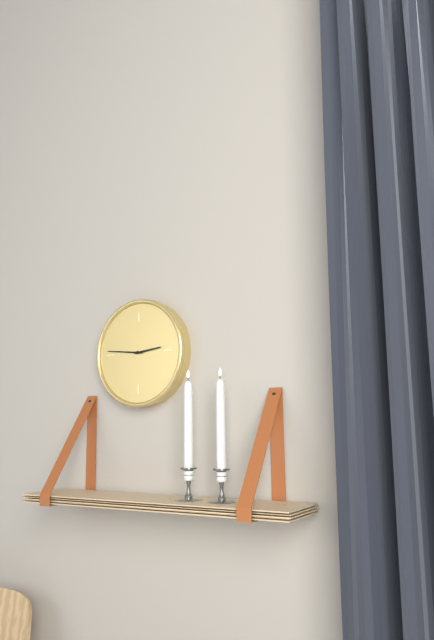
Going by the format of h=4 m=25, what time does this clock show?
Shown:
h=2 m=46
